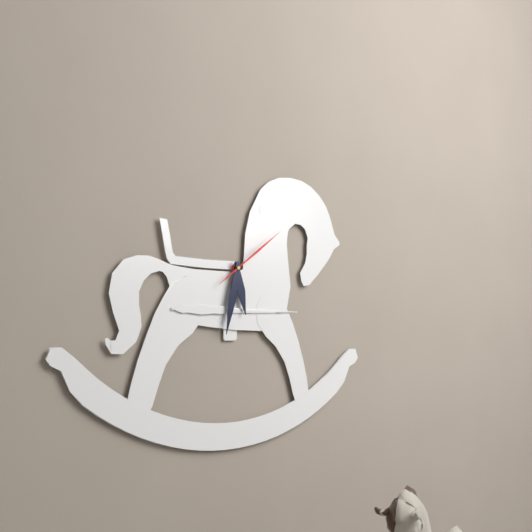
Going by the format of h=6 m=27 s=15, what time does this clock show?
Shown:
h=5 m=32 s=9
